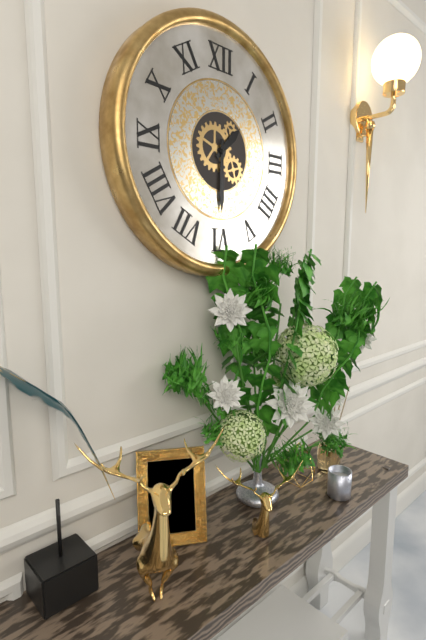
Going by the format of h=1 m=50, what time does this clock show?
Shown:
h=1 m=30
